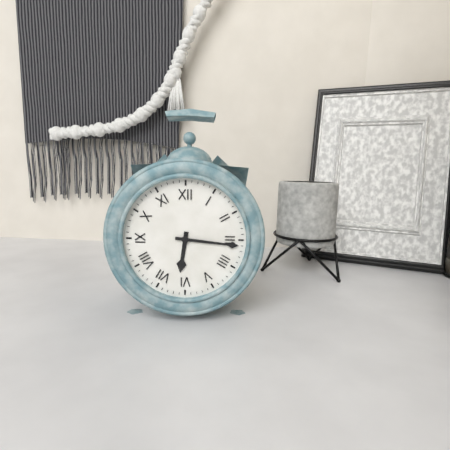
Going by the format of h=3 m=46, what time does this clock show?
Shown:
h=6 m=16
